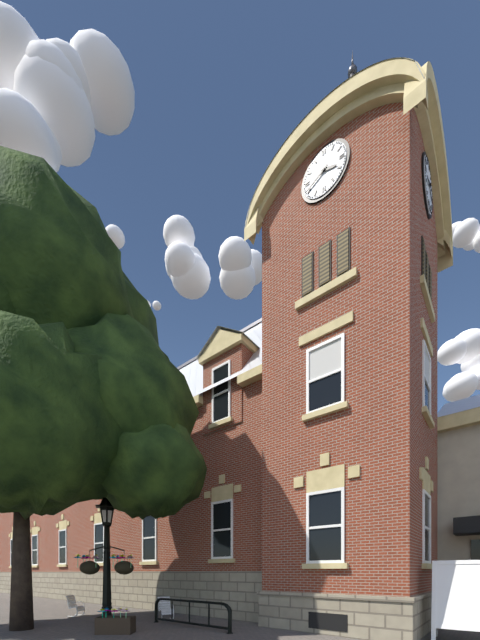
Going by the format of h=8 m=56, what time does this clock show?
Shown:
h=3 m=41
